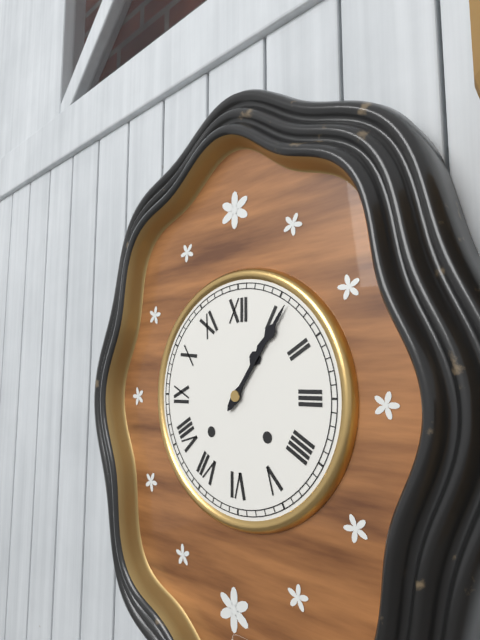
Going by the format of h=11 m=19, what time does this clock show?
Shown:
h=1 m=6
